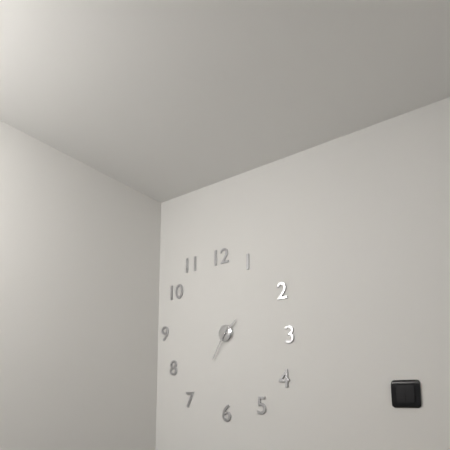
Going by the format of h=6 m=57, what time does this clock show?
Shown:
h=1 m=35
